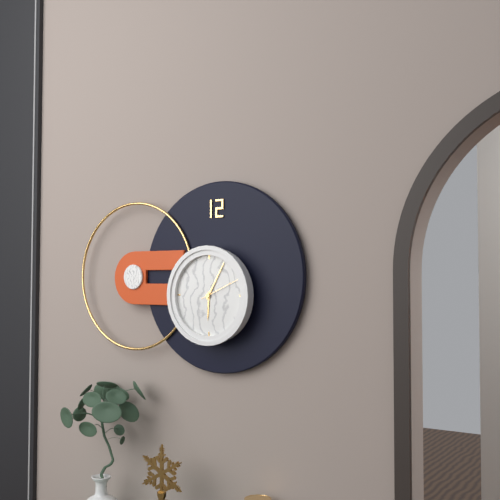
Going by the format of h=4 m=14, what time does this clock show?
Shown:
h=6 m=5
